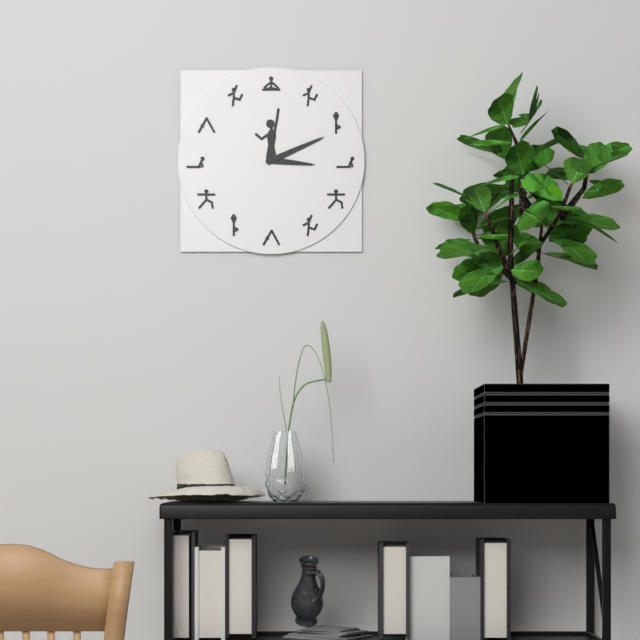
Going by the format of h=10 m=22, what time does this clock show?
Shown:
h=3 m=11
